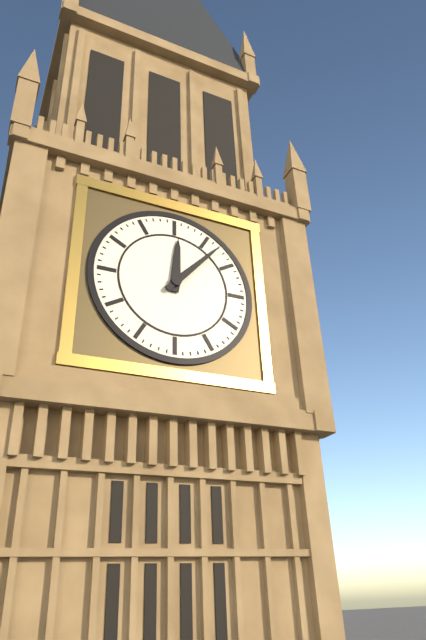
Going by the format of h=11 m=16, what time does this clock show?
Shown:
h=12 m=7
